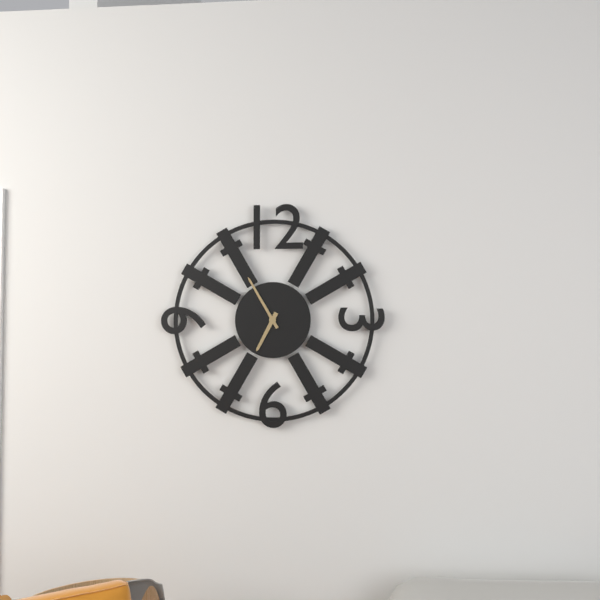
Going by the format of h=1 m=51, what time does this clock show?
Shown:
h=6 m=55
